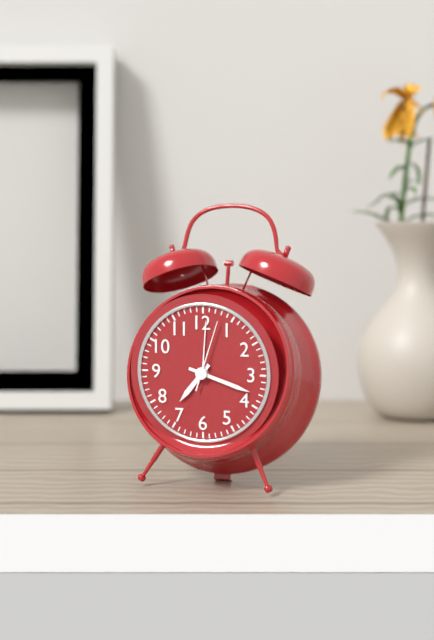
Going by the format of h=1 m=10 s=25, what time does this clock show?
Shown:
h=7 m=18 s=3
